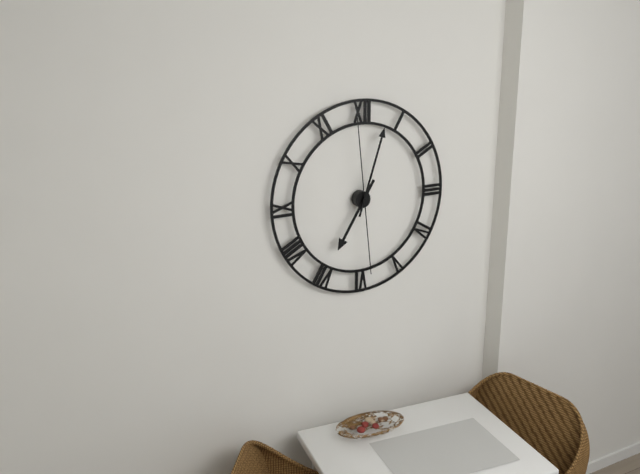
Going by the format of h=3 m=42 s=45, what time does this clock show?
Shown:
h=7 m=3 s=59
